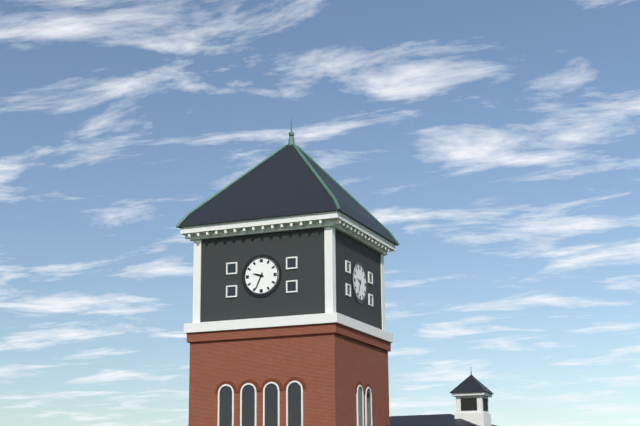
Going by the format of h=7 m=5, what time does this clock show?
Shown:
h=9 m=34
